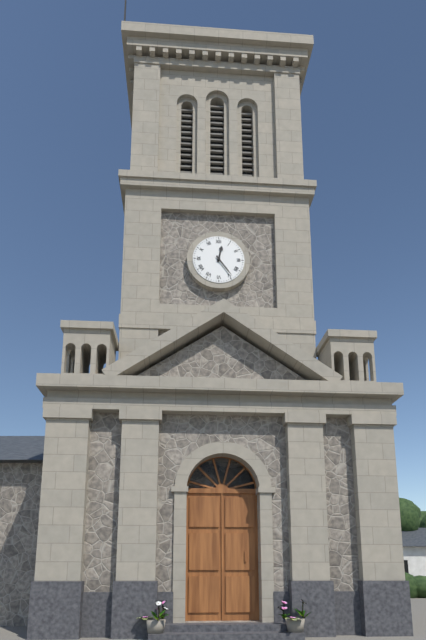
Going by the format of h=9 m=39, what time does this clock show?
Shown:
h=12 m=24
